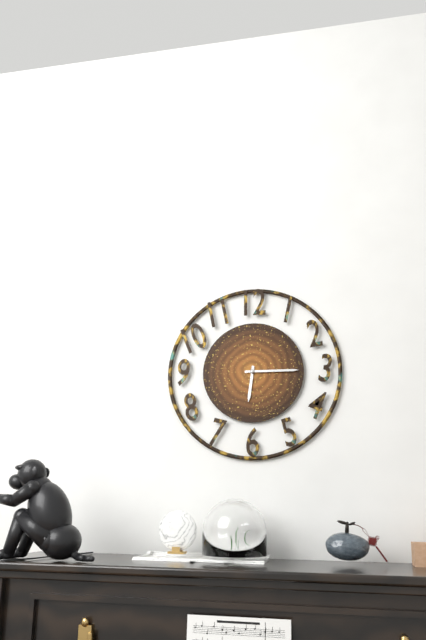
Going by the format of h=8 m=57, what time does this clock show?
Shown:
h=6 m=15
